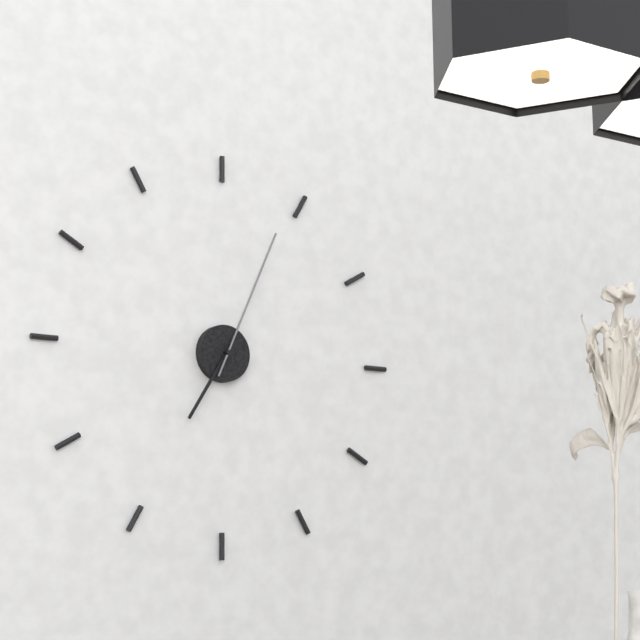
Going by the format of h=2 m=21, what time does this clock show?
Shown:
h=7 m=4
